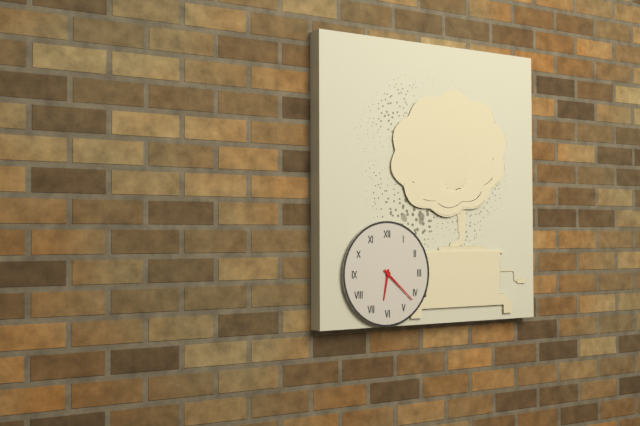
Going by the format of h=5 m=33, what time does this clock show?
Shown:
h=6 m=22
